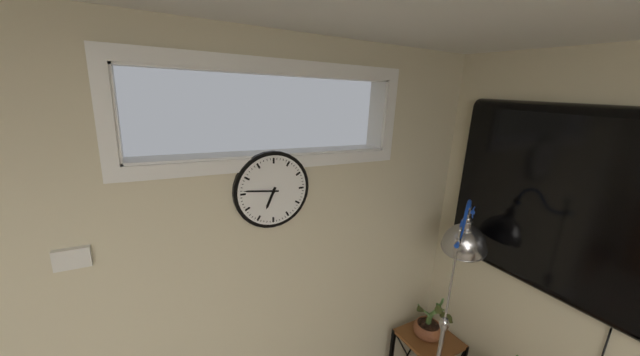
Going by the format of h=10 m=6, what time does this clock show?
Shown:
h=6 m=46
